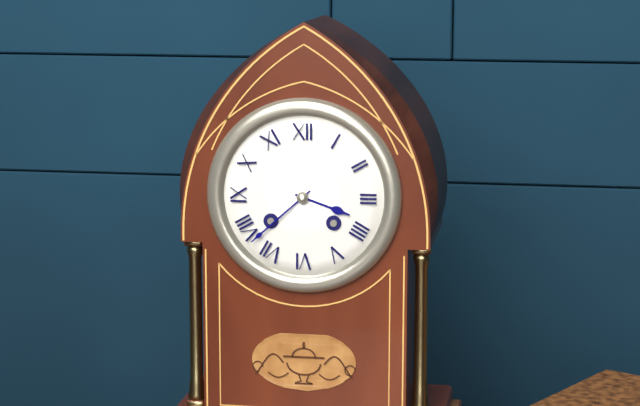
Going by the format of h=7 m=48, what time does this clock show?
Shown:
h=3 m=38
